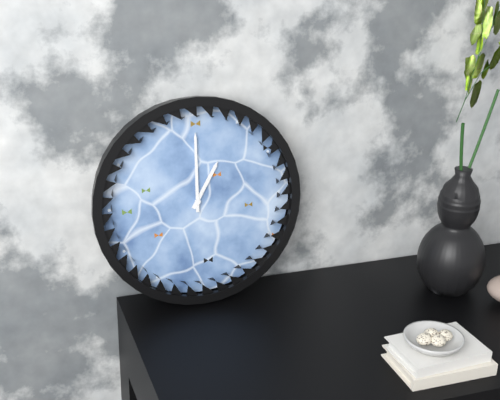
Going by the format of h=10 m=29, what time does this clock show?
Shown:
h=1 m=0
